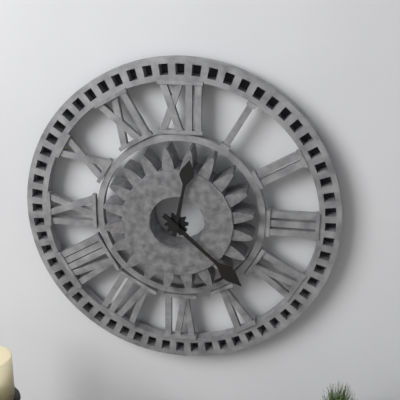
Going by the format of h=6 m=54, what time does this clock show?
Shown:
h=12 m=22
